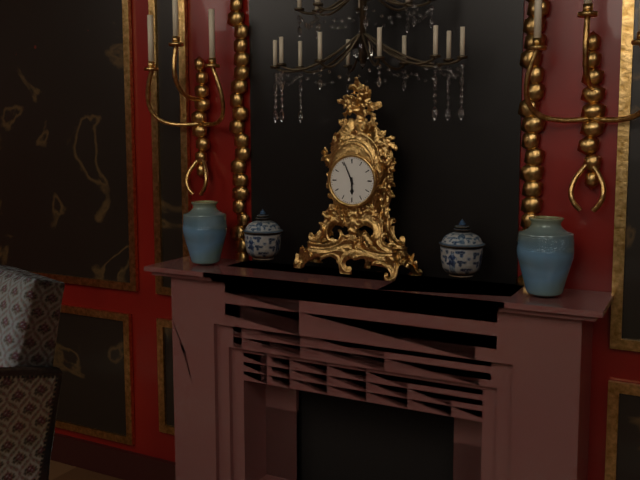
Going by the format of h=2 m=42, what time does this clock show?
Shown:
h=5 m=56
